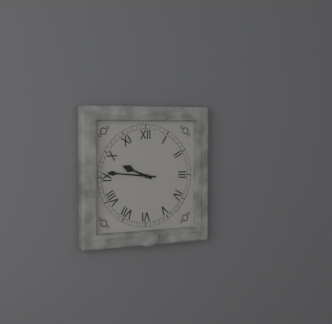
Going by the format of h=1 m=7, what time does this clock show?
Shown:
h=9 m=46
